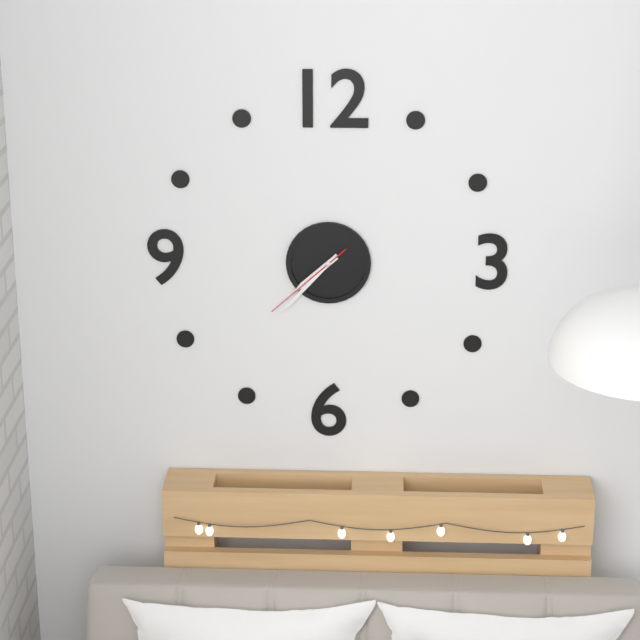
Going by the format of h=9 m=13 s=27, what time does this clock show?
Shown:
h=7 m=37 s=38
